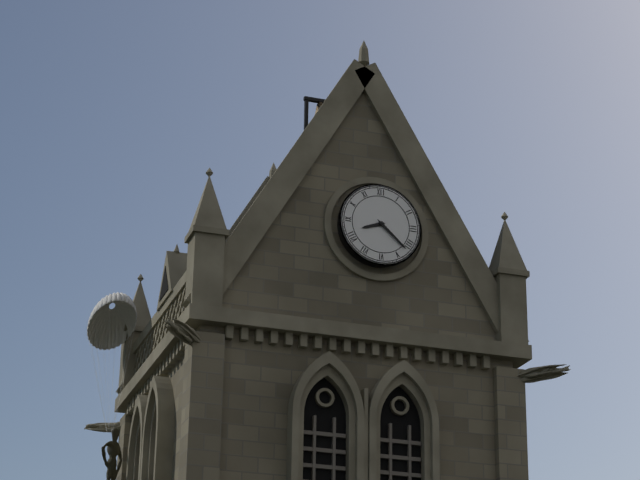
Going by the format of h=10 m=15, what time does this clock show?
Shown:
h=8 m=22
